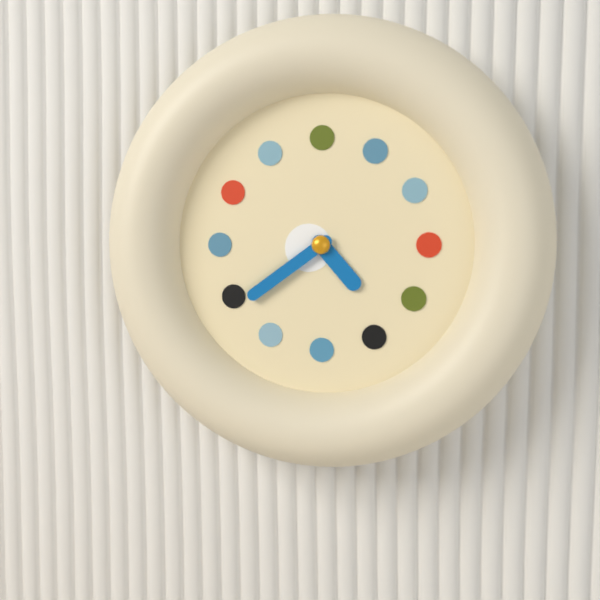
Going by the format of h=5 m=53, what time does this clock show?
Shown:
h=4 m=39
